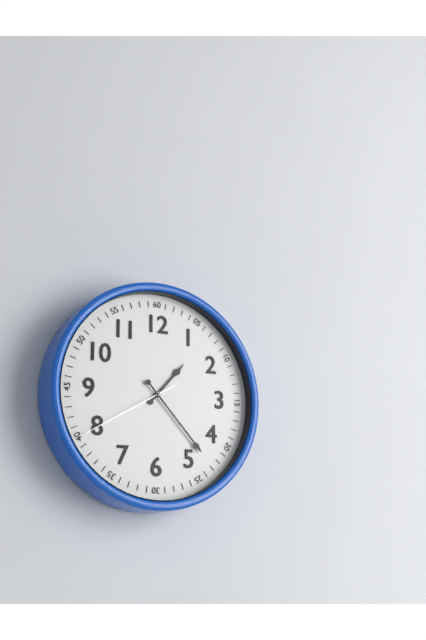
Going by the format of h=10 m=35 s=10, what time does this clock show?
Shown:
h=1 m=23 s=40
